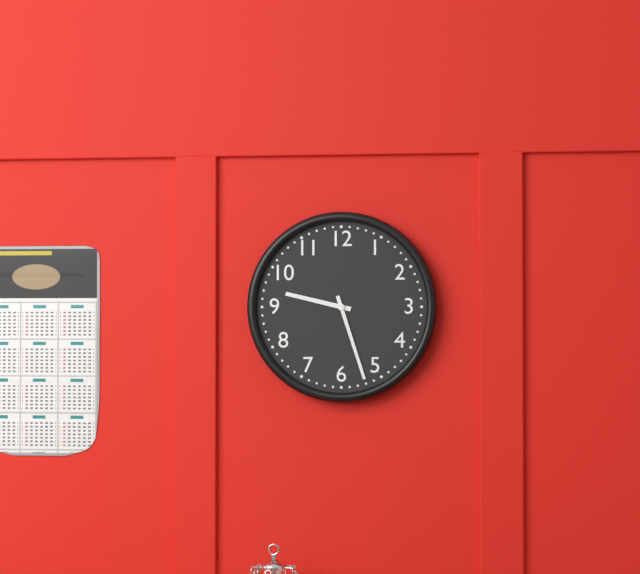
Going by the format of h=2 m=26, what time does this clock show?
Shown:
h=9 m=27
